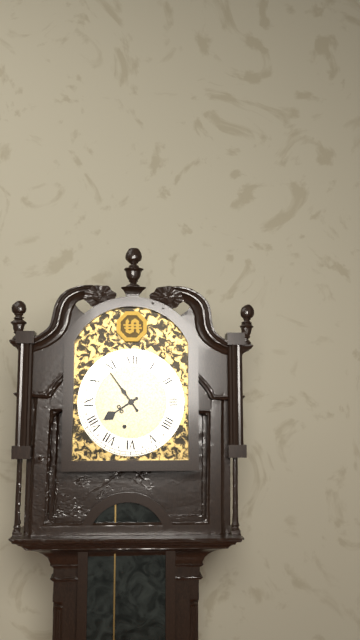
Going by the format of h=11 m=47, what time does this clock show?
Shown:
h=7 m=54
